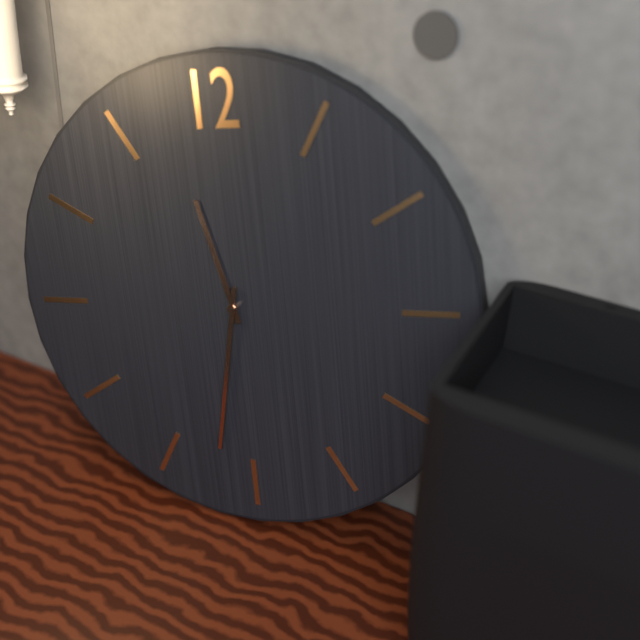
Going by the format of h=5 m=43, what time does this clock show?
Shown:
h=11 m=32
